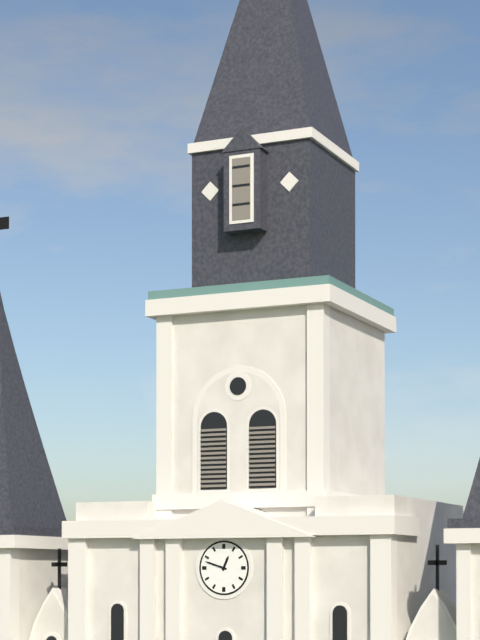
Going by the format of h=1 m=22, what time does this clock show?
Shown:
h=12 m=48
